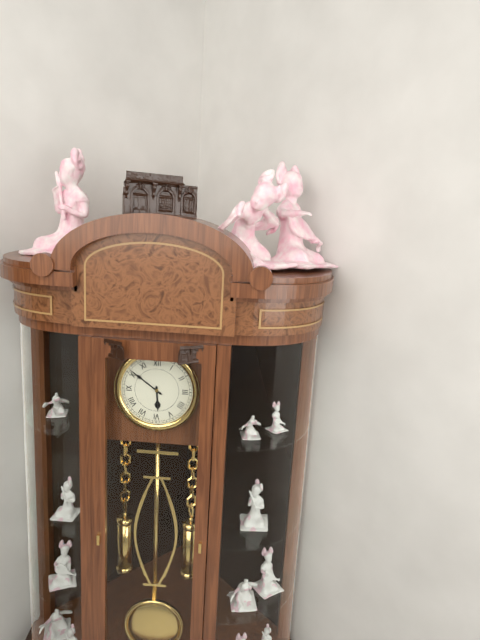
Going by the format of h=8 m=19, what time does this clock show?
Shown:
h=5 m=51
